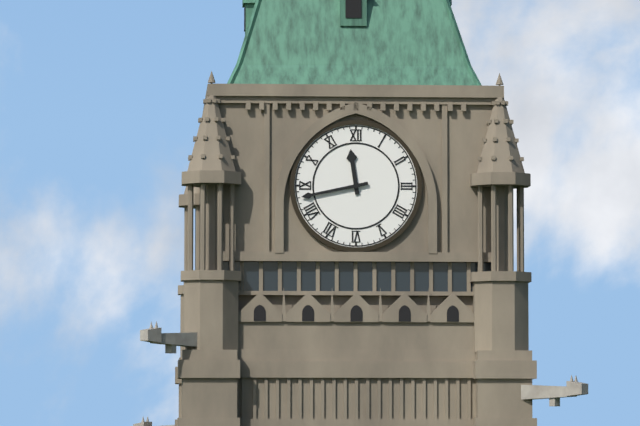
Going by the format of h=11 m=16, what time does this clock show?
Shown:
h=11 m=43
